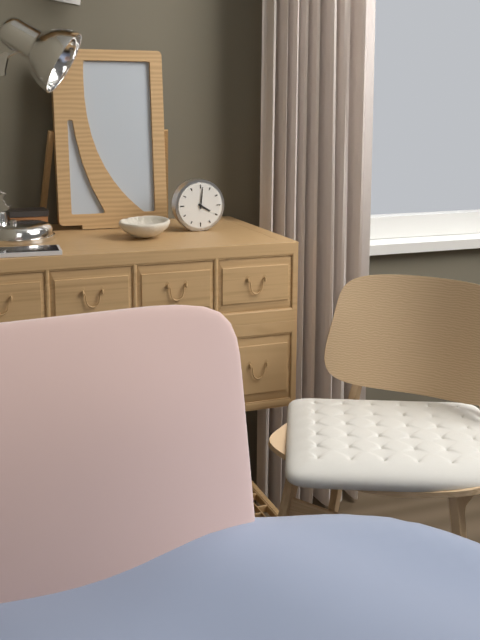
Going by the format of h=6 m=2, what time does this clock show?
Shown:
h=4 m=1
